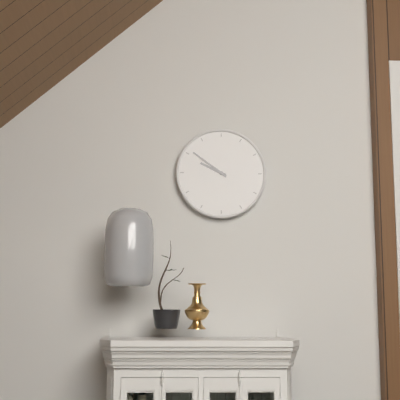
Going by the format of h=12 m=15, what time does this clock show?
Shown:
h=9 m=51
